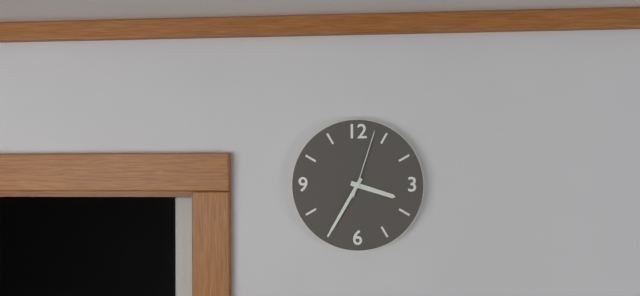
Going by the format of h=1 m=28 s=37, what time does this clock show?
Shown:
h=3 m=35 s=3
